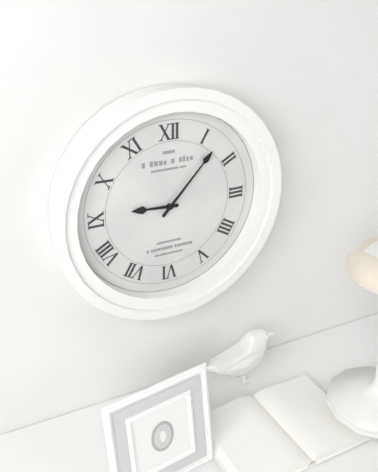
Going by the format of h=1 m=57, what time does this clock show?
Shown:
h=9 m=7
